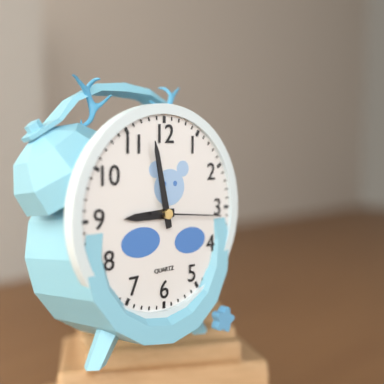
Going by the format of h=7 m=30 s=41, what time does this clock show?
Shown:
h=8 m=58 s=16
